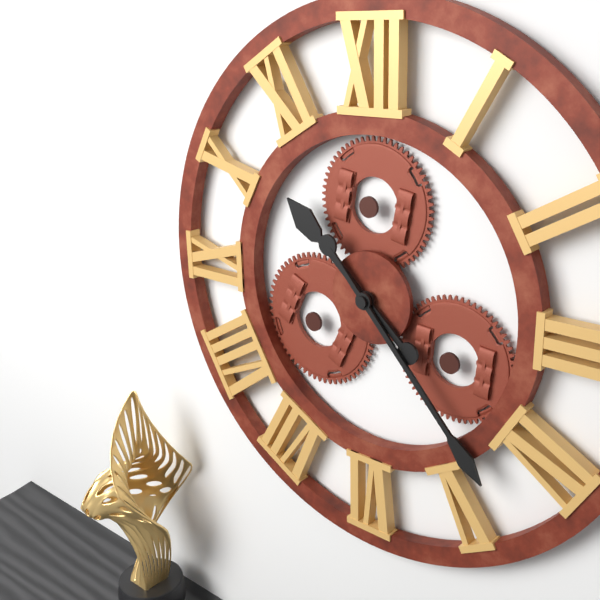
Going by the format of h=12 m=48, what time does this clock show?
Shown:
h=10 m=23
